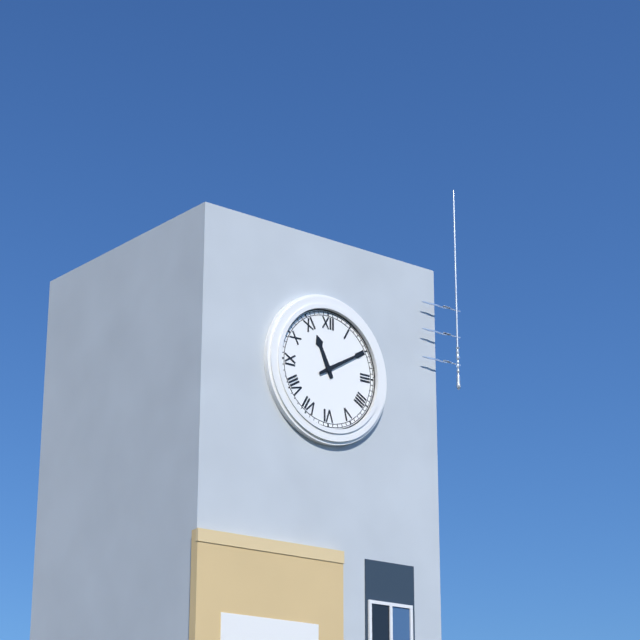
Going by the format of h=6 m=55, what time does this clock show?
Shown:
h=11 m=10
